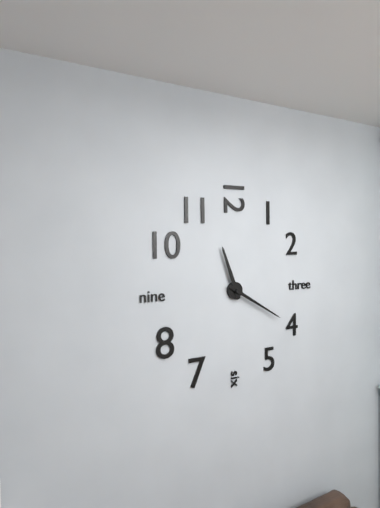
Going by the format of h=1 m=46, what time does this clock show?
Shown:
h=11 m=20
